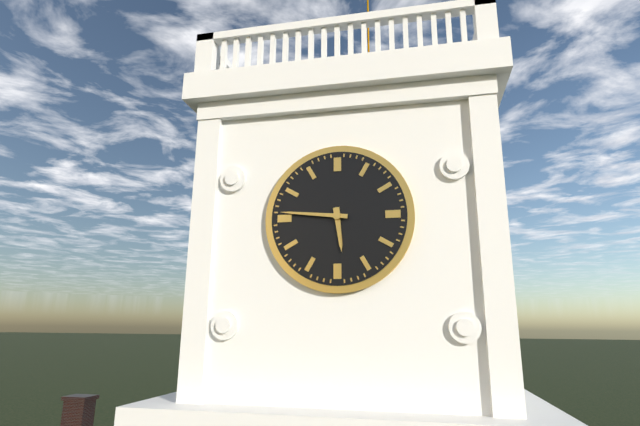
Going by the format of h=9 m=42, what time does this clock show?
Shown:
h=5 m=46
